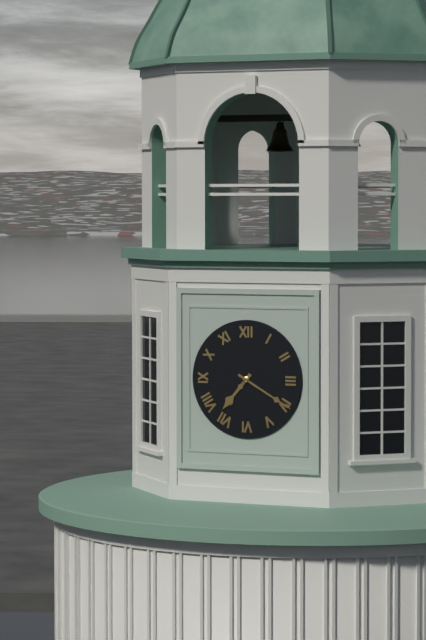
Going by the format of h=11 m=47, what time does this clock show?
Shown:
h=7 m=20
